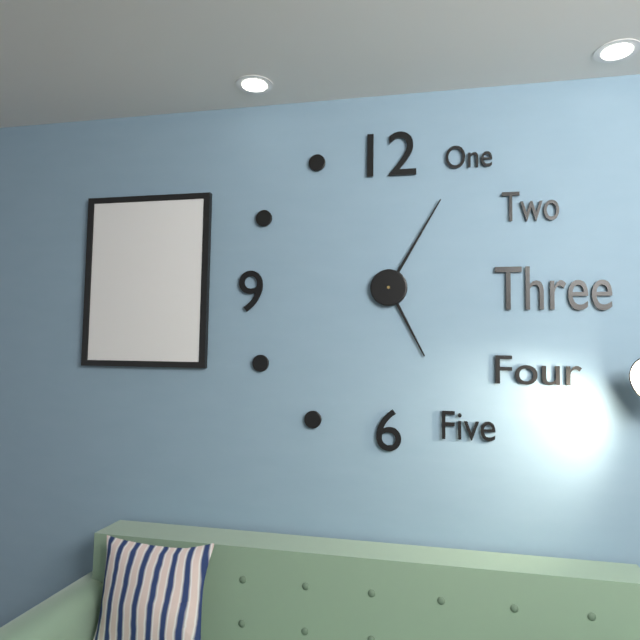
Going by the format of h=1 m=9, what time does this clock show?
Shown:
h=5 m=5
